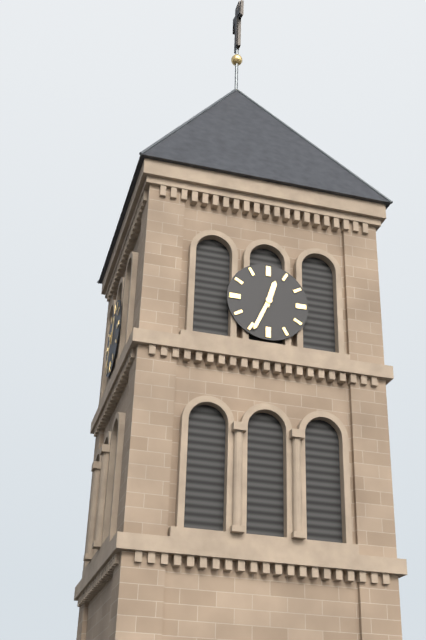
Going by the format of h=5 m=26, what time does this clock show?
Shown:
h=12 m=34
